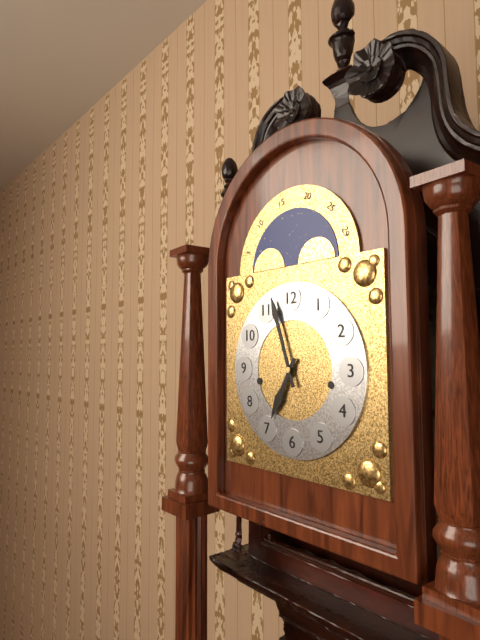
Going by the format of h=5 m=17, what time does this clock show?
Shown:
h=6 m=57
